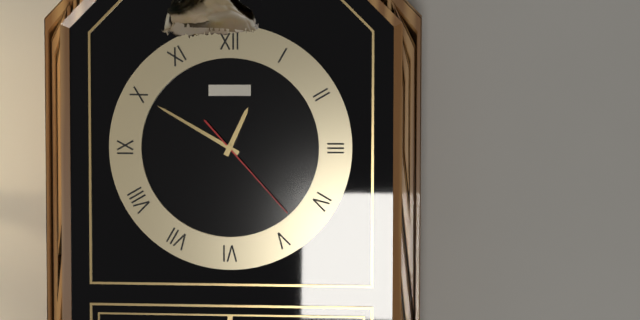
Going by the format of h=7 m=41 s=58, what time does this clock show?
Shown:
h=12 m=50 s=23
